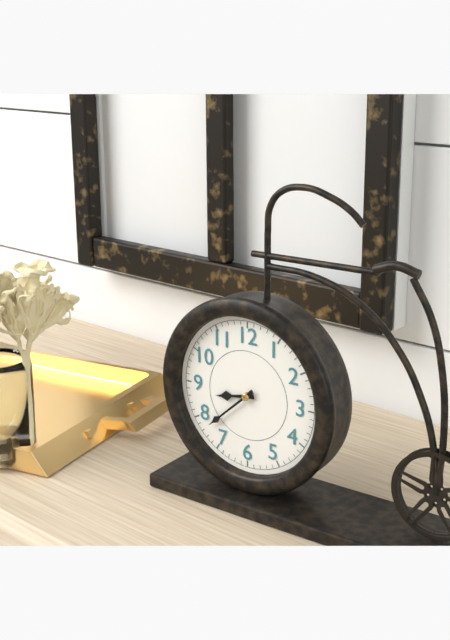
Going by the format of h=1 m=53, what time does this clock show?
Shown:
h=8 m=38
